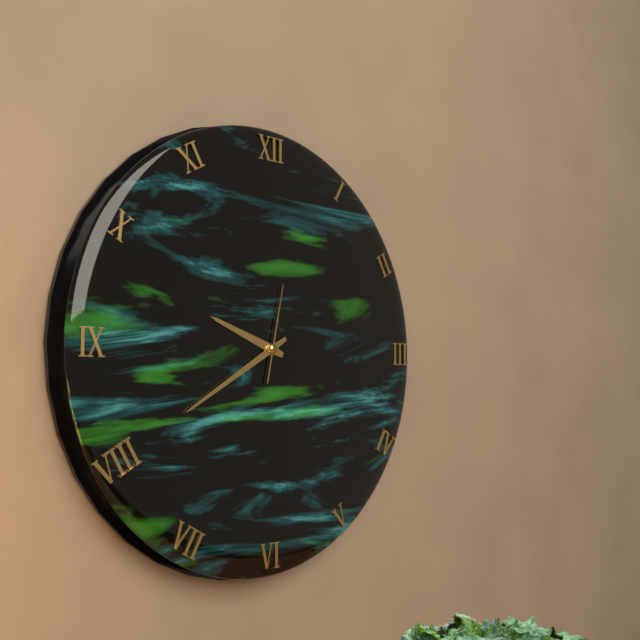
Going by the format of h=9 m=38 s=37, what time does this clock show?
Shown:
h=9 m=40 s=2
